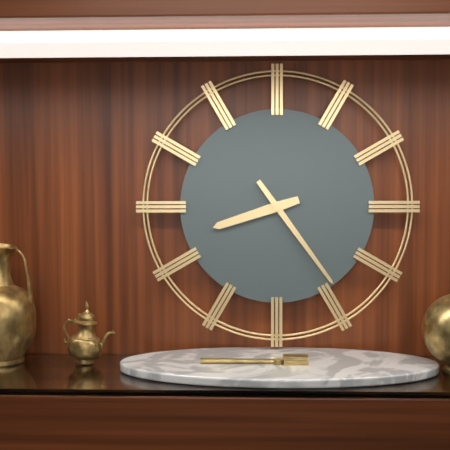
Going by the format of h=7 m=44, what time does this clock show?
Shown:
h=8 m=24
